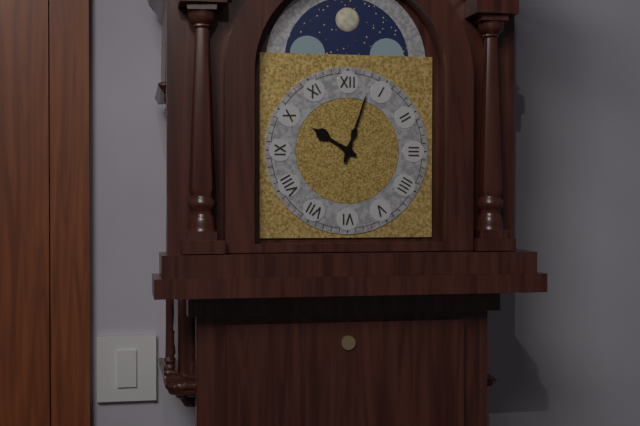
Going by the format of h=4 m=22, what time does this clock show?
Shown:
h=10 m=3
